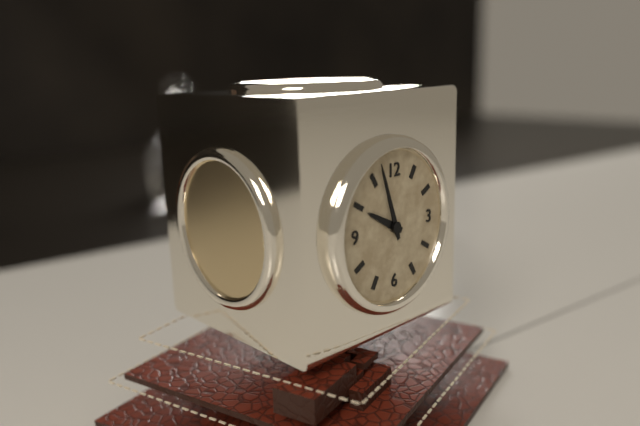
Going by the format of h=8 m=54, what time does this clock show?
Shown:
h=9 m=57
